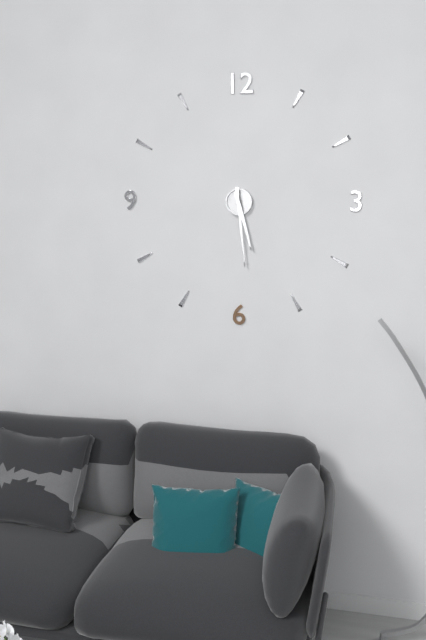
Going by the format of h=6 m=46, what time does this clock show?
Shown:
h=5 m=29
